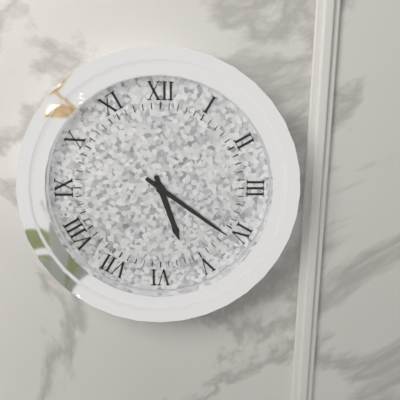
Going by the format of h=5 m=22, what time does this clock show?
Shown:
h=5 m=21
